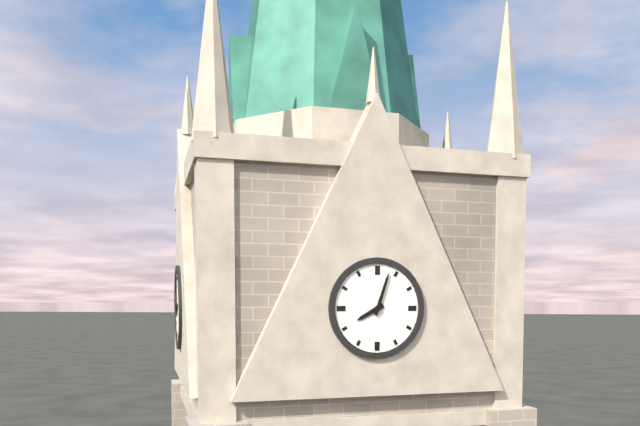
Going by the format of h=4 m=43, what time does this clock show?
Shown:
h=8 m=3
